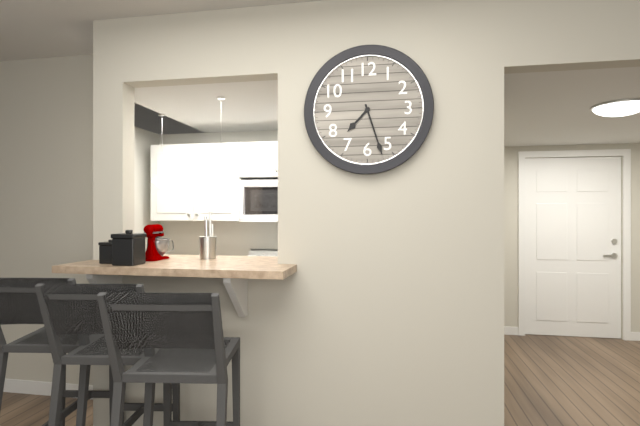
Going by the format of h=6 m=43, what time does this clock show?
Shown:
h=7 m=27
